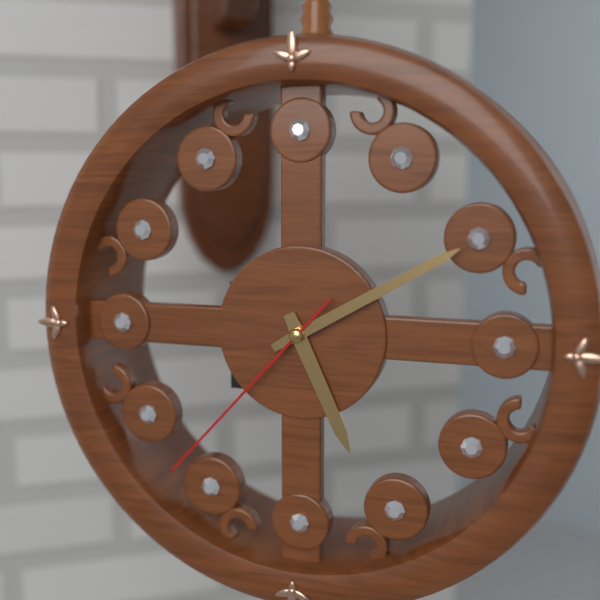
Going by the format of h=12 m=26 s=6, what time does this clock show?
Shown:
h=5 m=10 s=37
